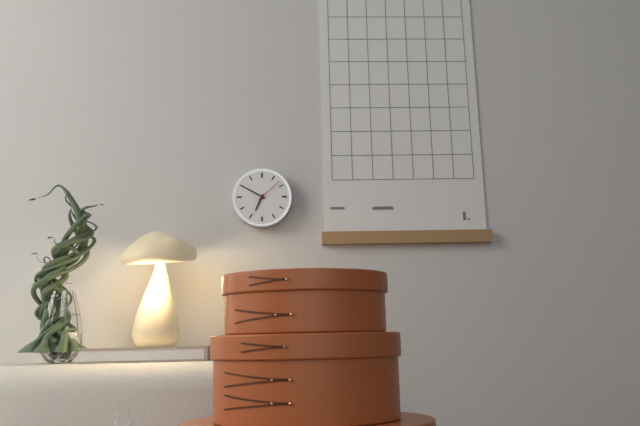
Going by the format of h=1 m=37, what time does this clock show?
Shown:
h=6 m=50
